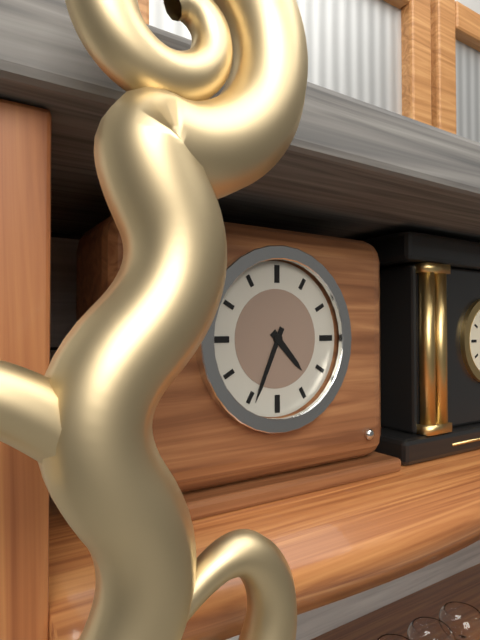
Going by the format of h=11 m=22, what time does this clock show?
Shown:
h=4 m=34
